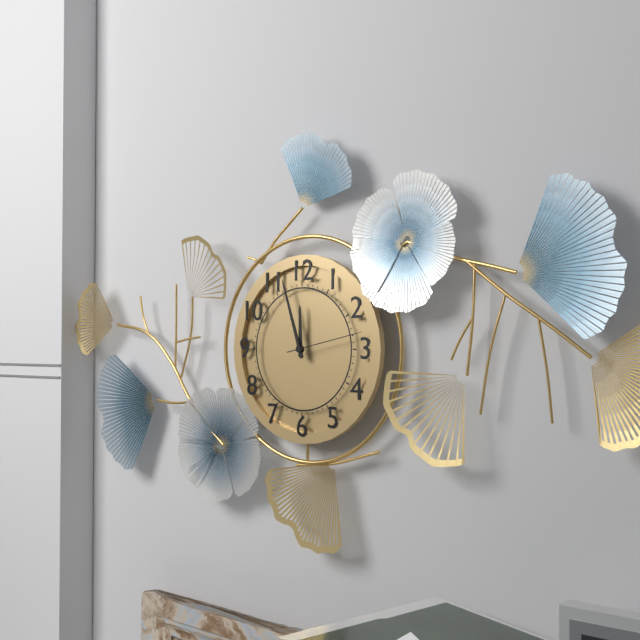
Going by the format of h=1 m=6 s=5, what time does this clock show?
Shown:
h=11 m=57 s=13
